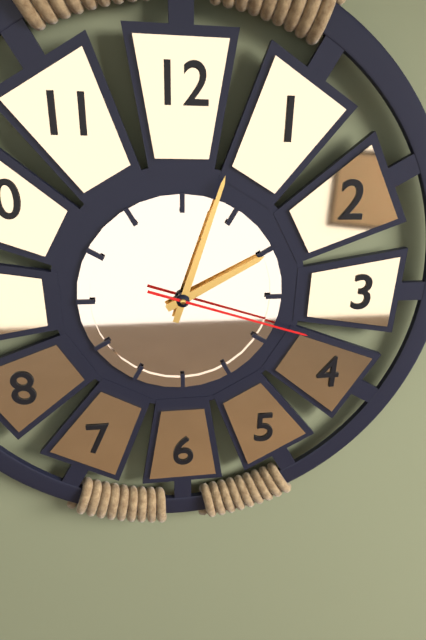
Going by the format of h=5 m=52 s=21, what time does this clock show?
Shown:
h=2 m=3 s=18
